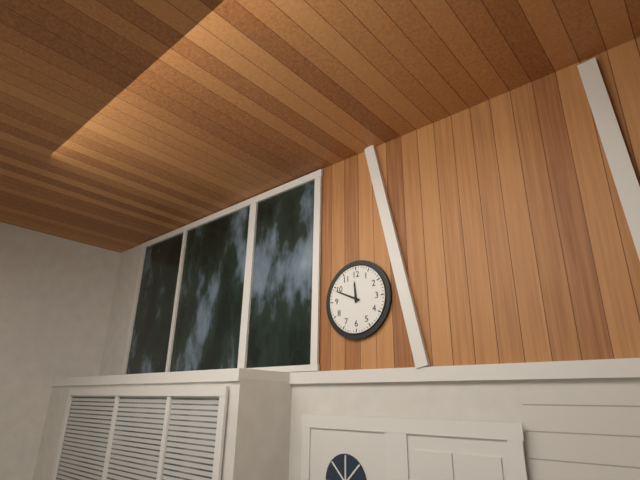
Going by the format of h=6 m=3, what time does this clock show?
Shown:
h=11 m=49
